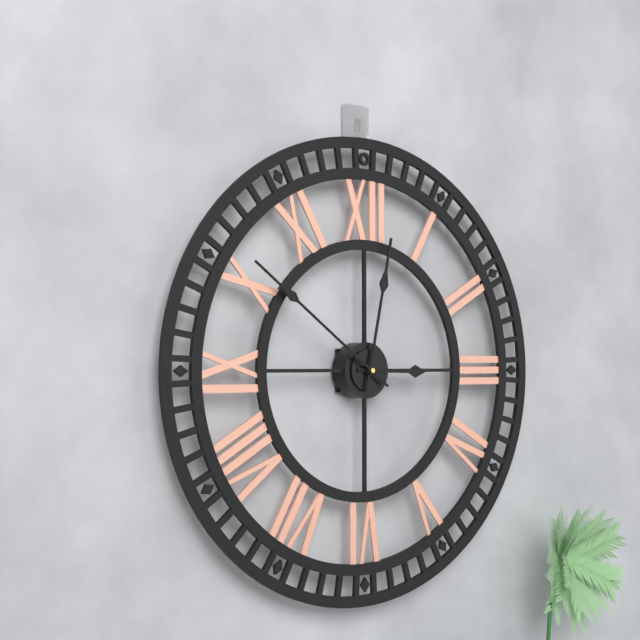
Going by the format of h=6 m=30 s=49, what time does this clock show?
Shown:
h=3 m=2 s=51
